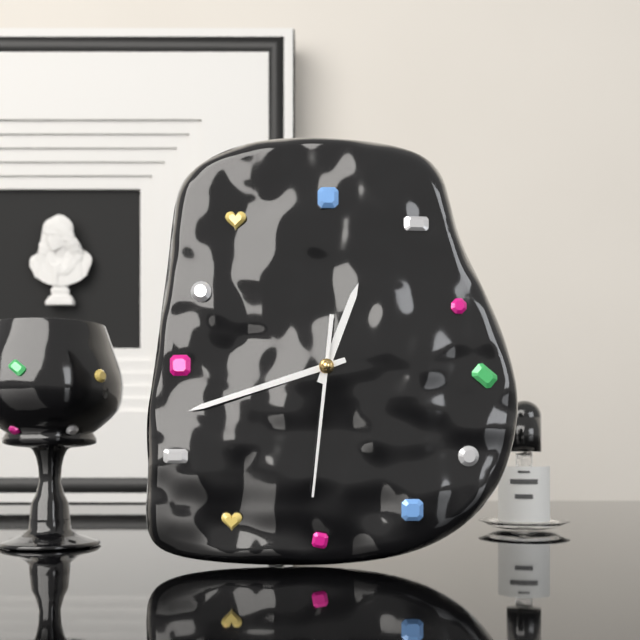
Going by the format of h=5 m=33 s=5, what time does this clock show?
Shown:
h=12 m=42 s=31
